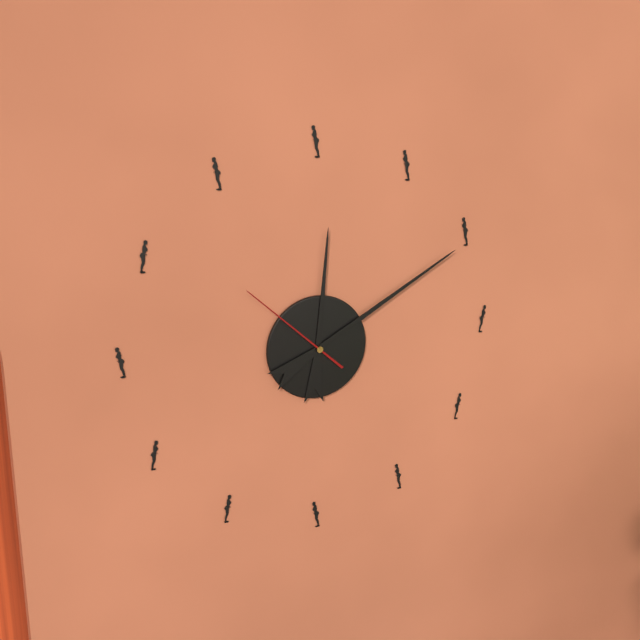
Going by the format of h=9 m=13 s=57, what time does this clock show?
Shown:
h=12 m=10 s=52
